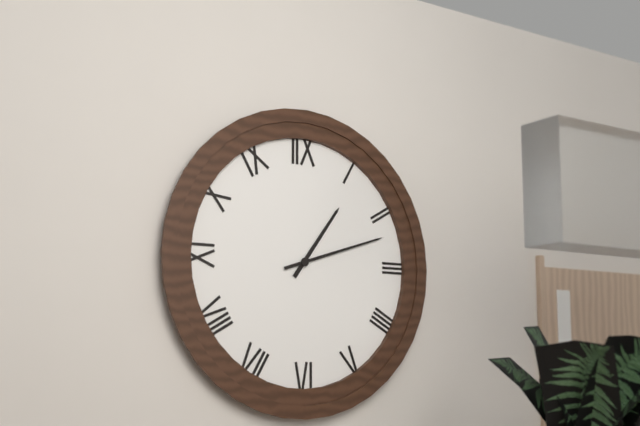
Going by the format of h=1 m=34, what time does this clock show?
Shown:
h=1 m=12
